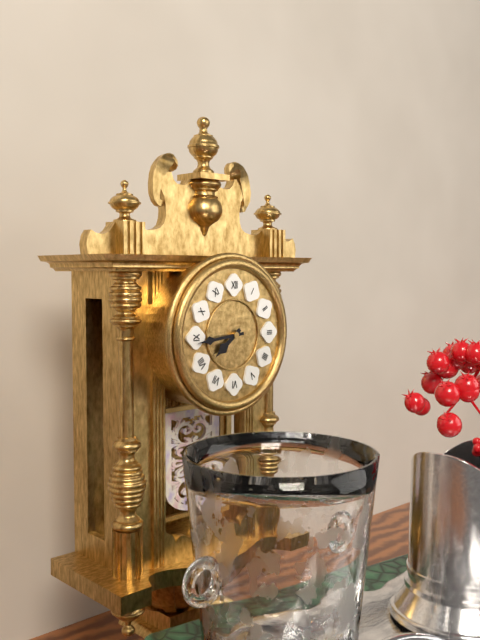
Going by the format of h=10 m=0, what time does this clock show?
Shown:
h=7 m=44
